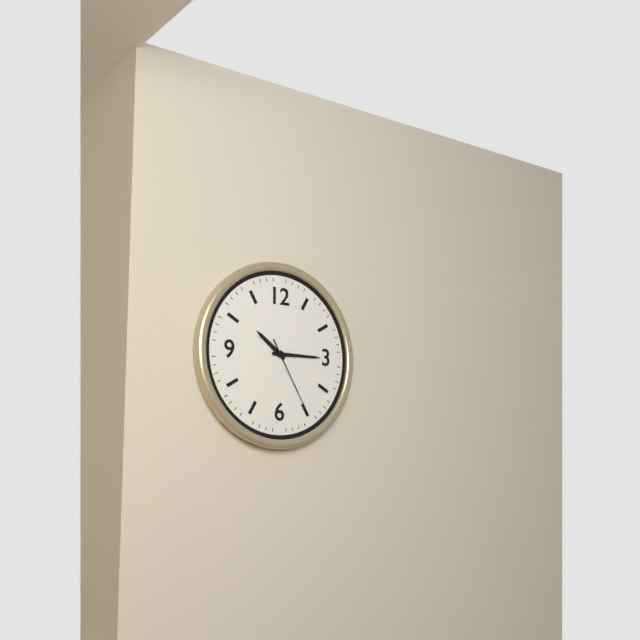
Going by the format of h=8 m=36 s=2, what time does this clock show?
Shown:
h=10 m=15 s=25
